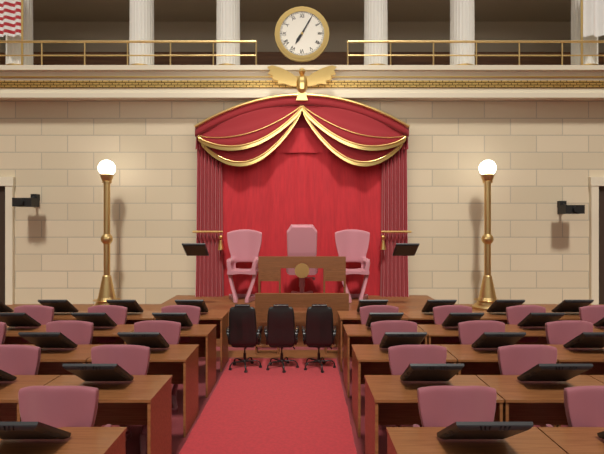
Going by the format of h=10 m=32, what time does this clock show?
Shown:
h=7 m=5
